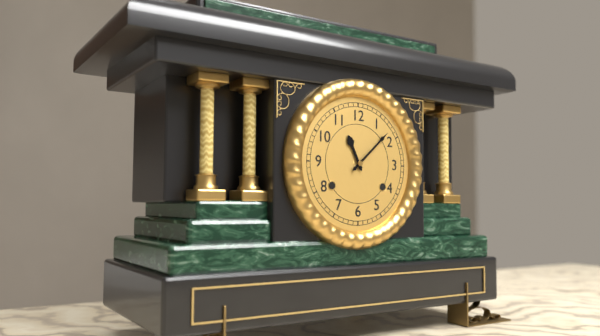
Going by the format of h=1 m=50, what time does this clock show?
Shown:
h=11 m=8
